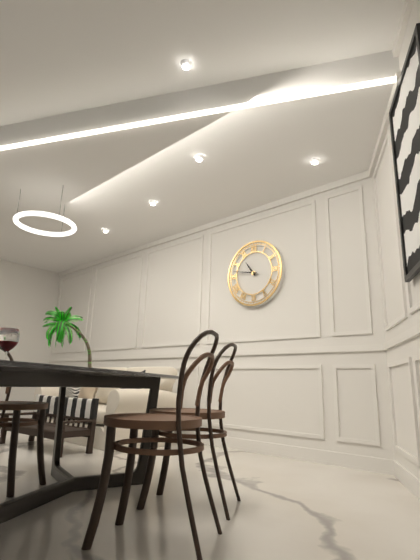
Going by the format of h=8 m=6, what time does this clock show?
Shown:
h=10 m=47
